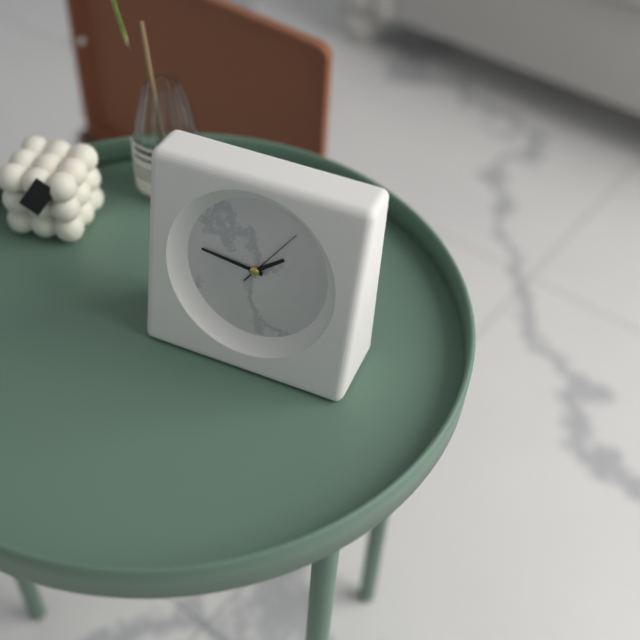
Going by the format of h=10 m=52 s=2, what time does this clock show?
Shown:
h=1 m=46 s=6
